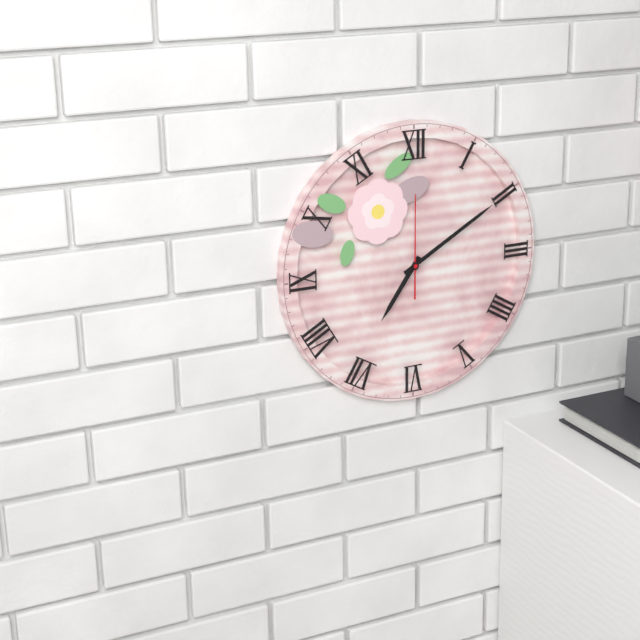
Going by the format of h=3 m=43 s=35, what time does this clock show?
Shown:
h=7 m=10 s=0
